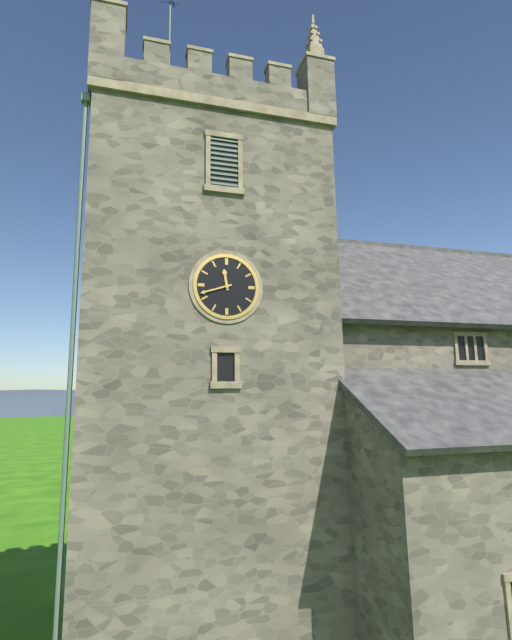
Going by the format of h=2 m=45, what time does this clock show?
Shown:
h=11 m=42
